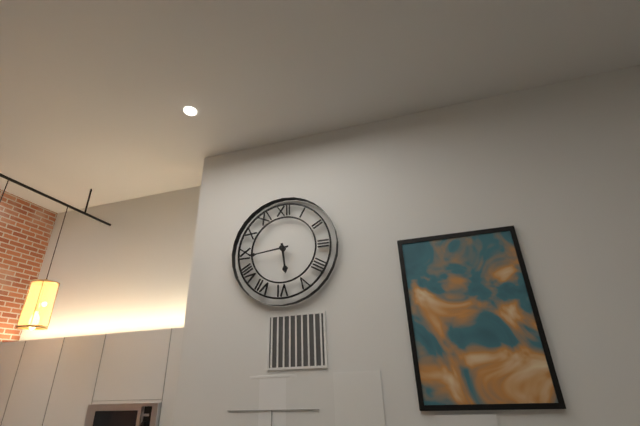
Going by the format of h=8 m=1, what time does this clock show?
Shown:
h=5 m=44
